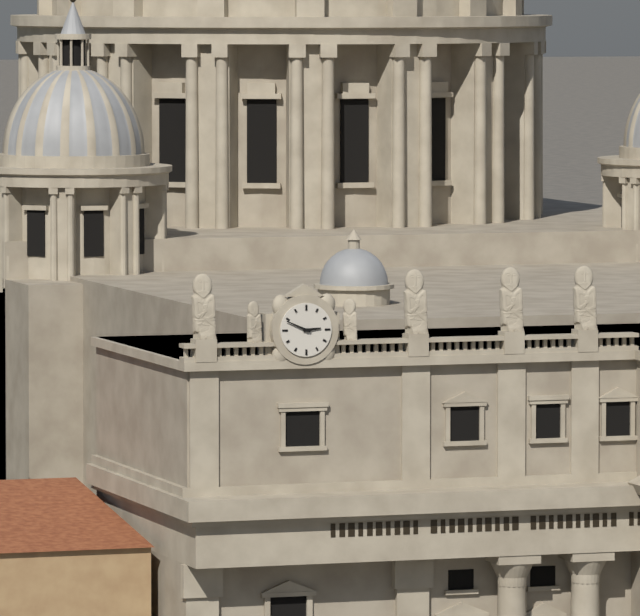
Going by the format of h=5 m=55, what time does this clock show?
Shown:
h=2 m=49
